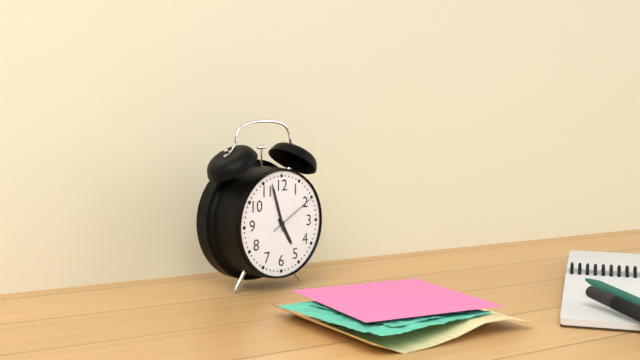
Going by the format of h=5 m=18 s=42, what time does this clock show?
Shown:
h=4 m=57 s=10
